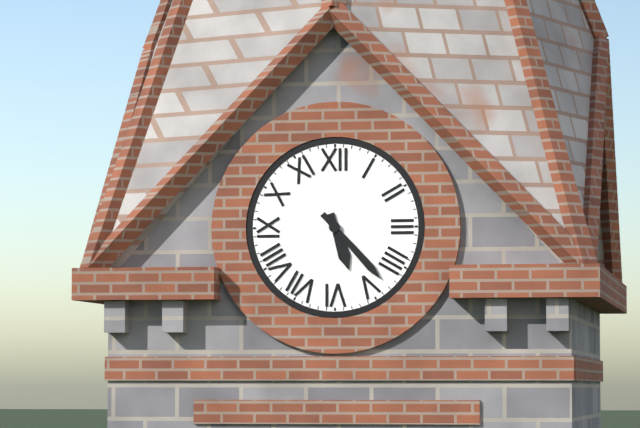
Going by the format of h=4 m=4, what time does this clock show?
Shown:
h=5 m=23
